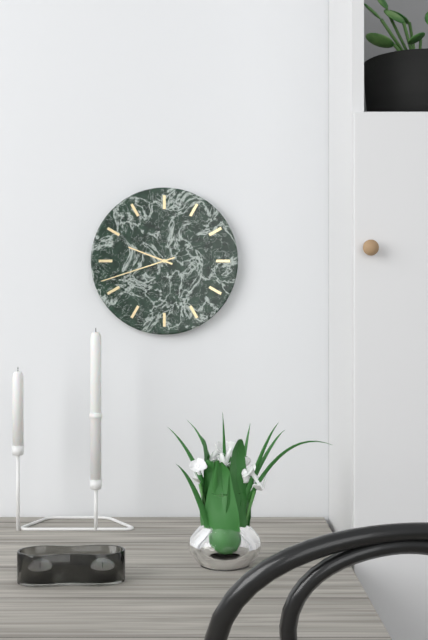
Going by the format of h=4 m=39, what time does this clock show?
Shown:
h=9 m=42
